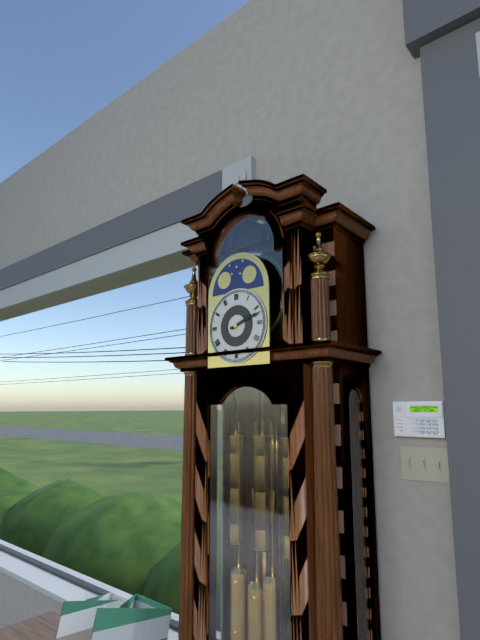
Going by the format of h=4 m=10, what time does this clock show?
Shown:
h=2 m=12
